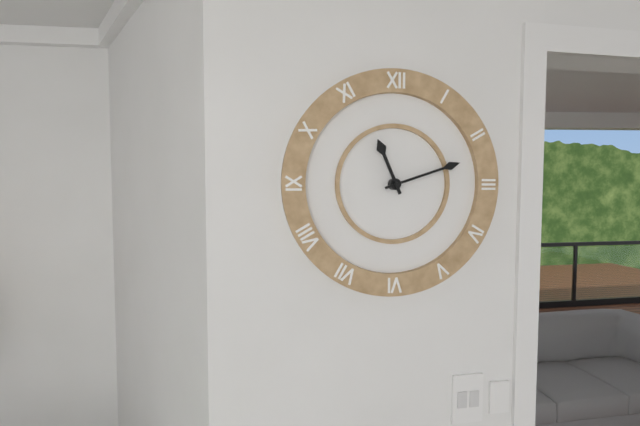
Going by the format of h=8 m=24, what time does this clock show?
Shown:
h=11 m=12
